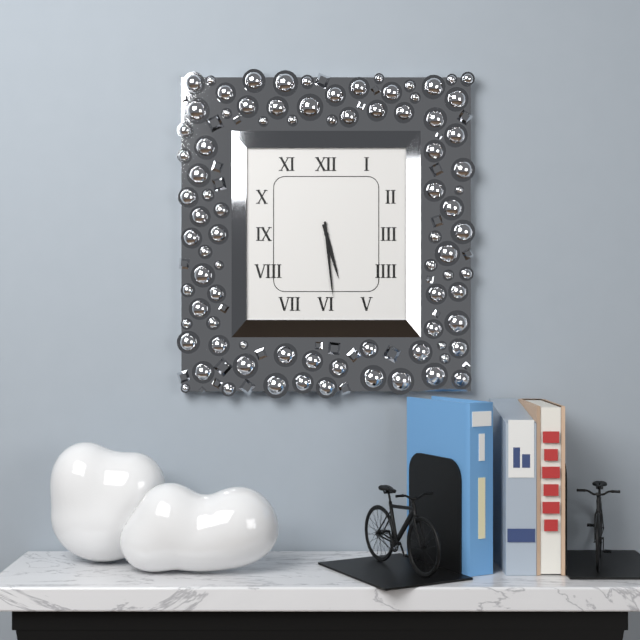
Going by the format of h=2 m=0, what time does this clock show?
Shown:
h=5 m=29
